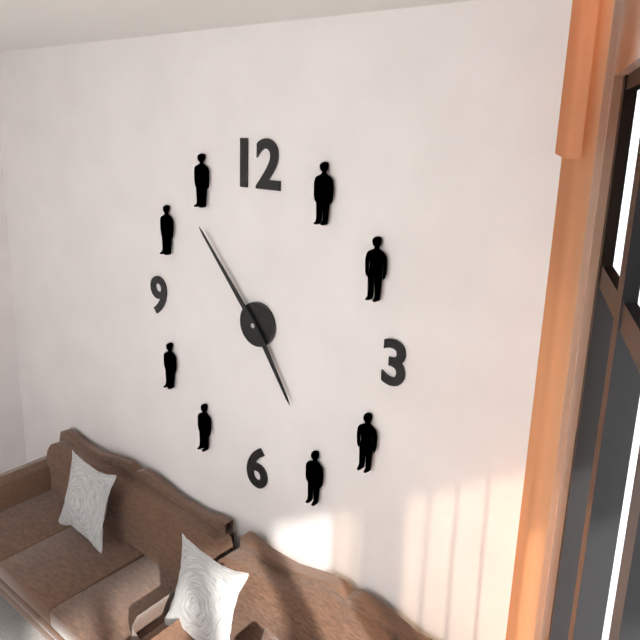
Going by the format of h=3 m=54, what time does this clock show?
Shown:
h=4 m=53
